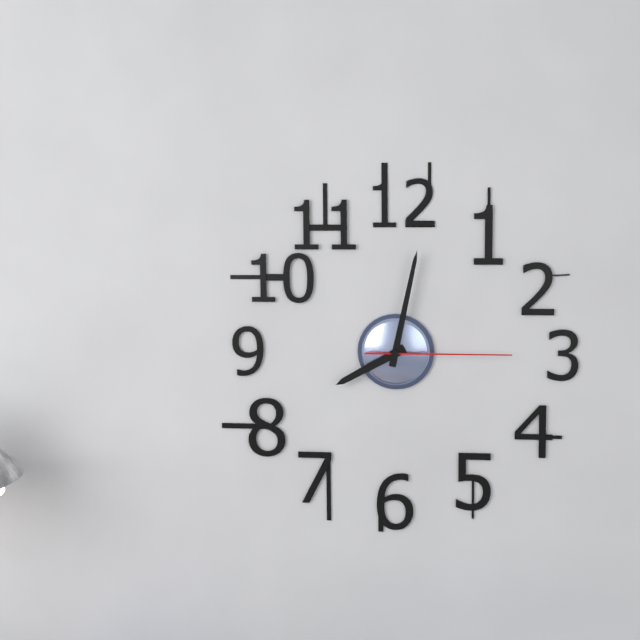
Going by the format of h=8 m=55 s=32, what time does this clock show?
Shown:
h=8 m=2 s=15
